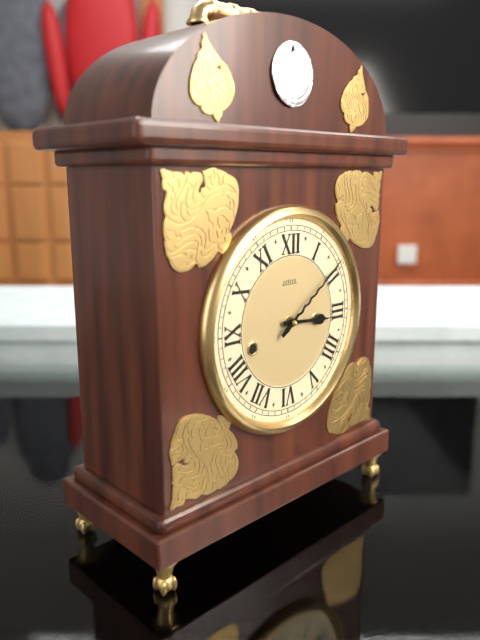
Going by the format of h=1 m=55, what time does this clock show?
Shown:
h=3 m=9
